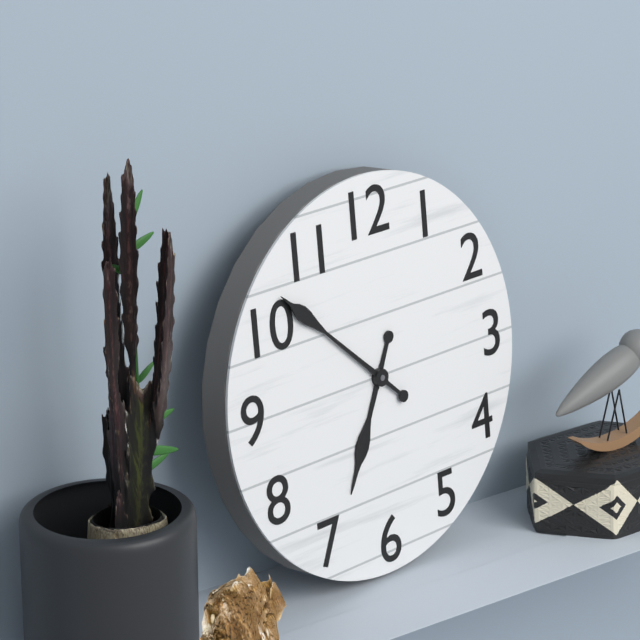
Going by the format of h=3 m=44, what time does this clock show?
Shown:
h=6 m=52
